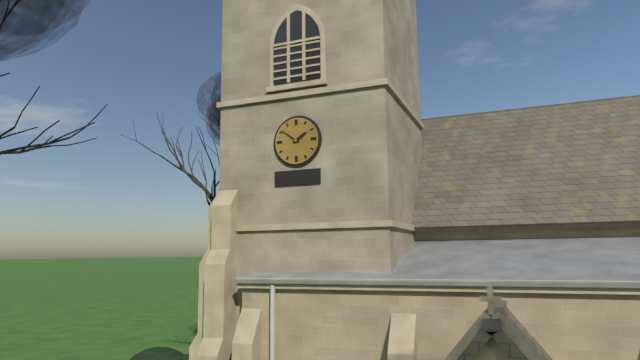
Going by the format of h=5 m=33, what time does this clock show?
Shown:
h=1 m=51
